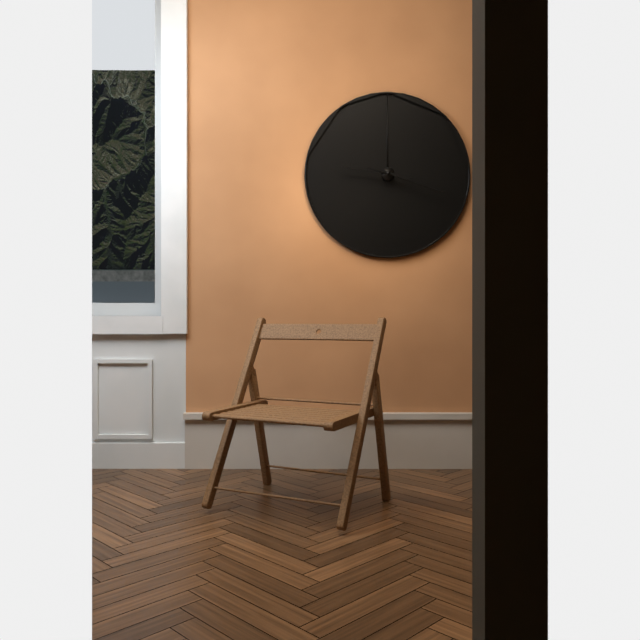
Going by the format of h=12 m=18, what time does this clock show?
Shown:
h=9 m=18
